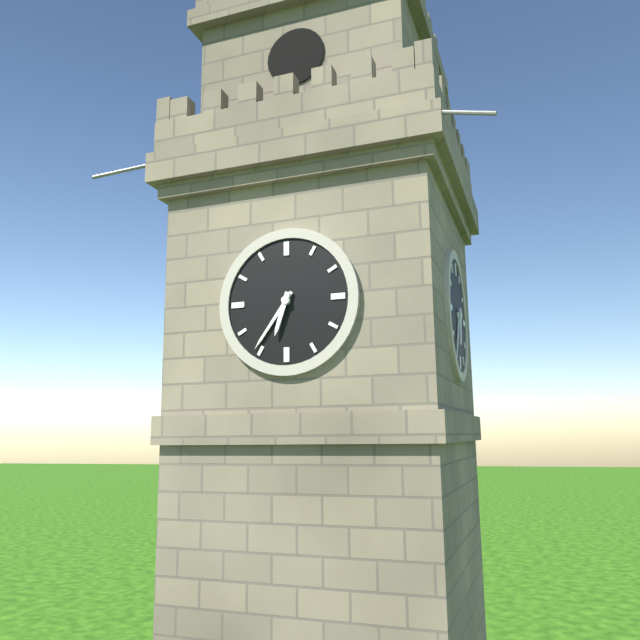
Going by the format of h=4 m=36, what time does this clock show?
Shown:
h=6 m=36
